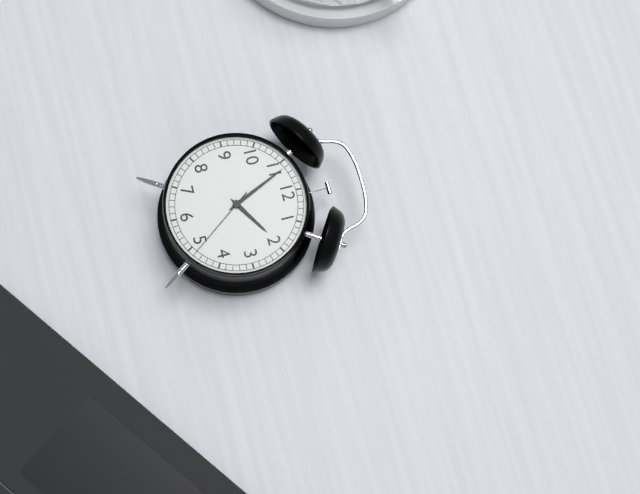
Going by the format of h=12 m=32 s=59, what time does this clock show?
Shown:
h=1 m=56 s=24
